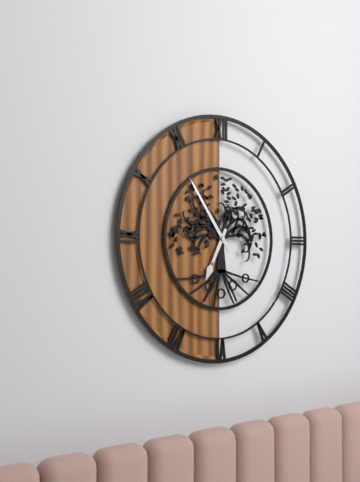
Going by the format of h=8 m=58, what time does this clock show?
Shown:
h=6 m=54
